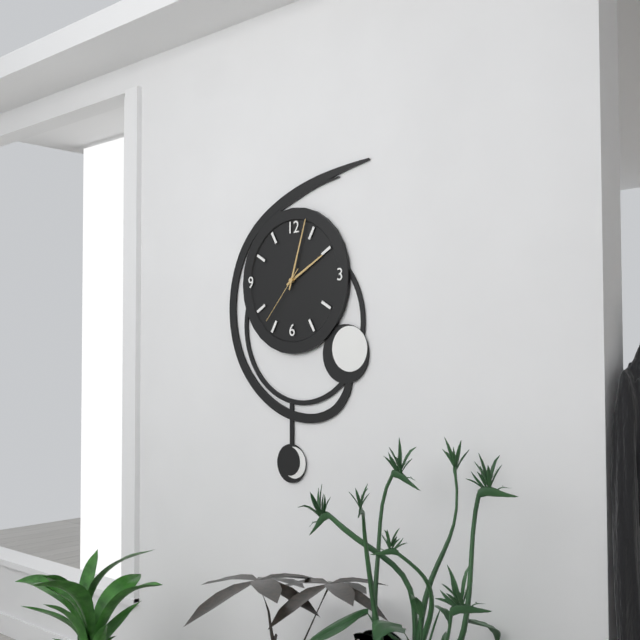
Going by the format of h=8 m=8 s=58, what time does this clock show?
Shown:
h=2 m=3 s=37
